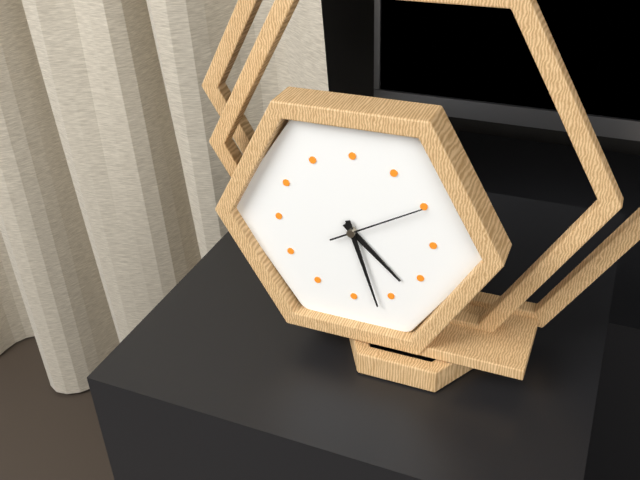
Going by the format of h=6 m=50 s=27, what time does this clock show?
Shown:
h=4 m=27 s=10
